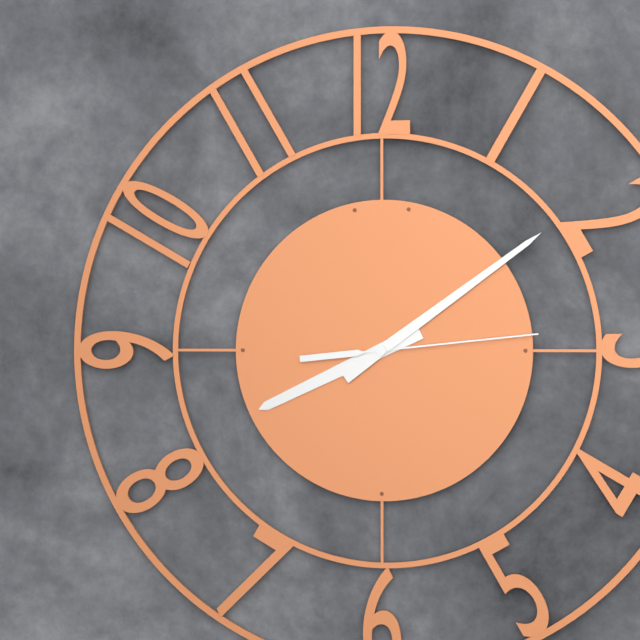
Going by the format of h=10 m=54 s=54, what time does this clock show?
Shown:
h=8 m=9 s=14
